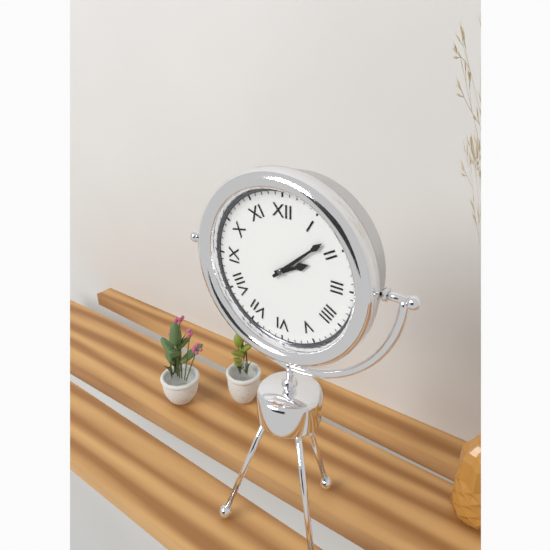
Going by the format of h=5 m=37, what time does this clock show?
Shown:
h=2 m=8
